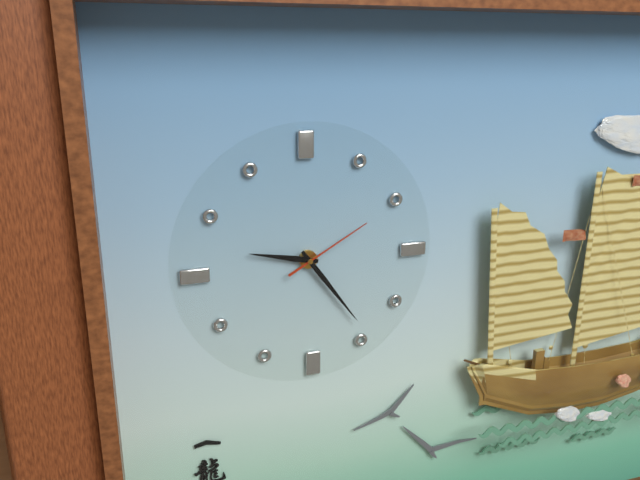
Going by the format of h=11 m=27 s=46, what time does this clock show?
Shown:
h=9 m=24 s=10
